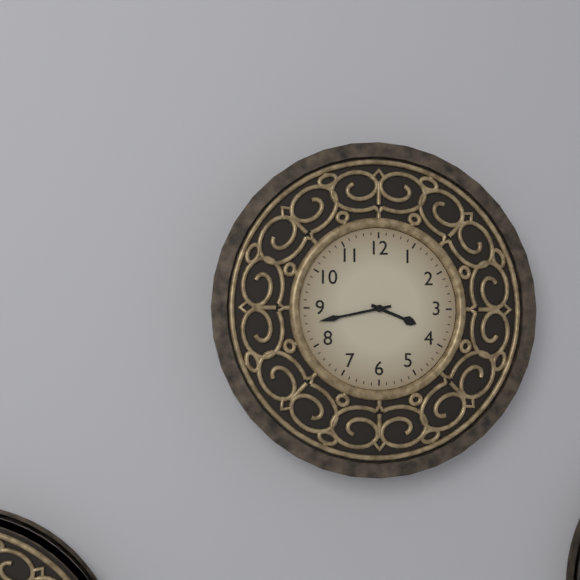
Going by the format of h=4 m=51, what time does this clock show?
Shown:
h=3 m=43
